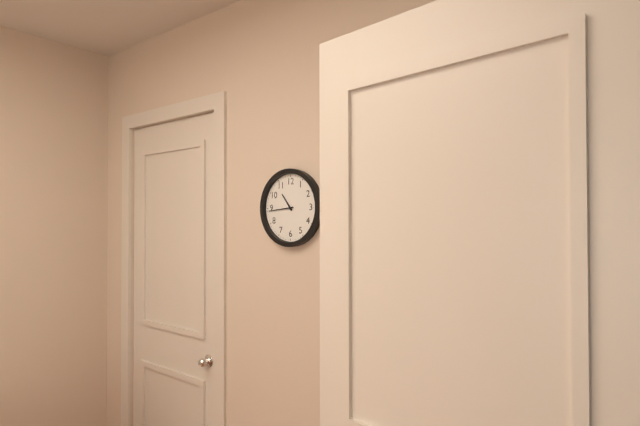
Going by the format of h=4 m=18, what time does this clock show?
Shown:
h=10 m=44
